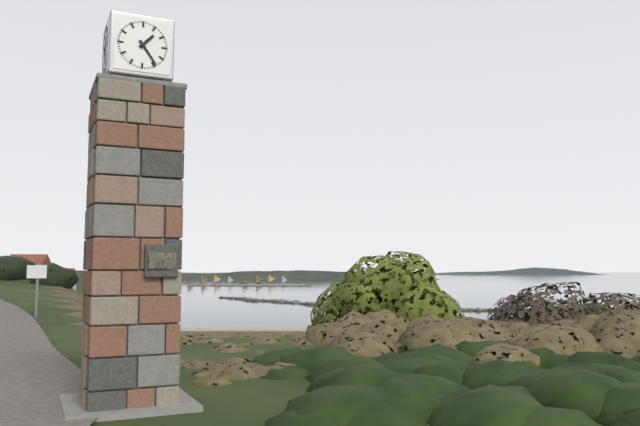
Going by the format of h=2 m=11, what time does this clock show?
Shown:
h=1 m=24
